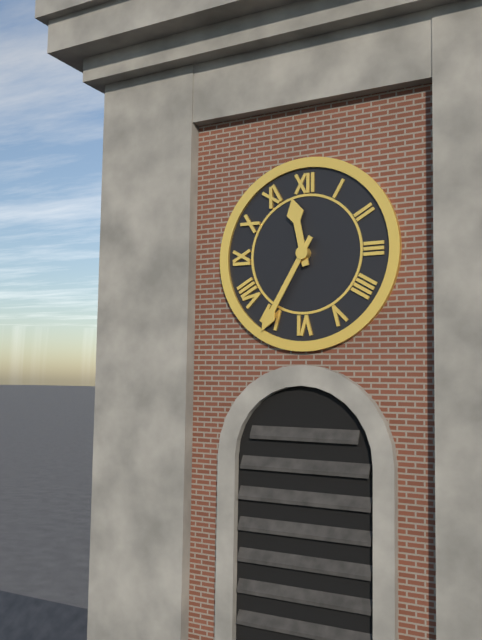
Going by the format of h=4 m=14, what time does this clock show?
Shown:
h=11 m=35
